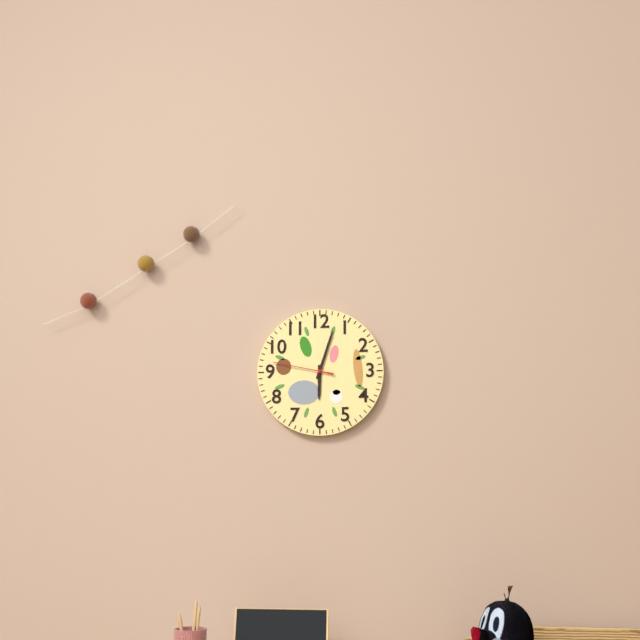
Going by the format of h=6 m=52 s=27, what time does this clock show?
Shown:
h=6 m=3 s=47
